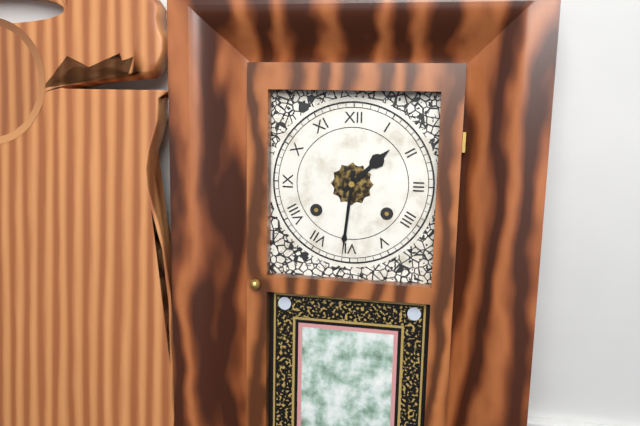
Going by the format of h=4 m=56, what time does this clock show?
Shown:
h=1 m=31
